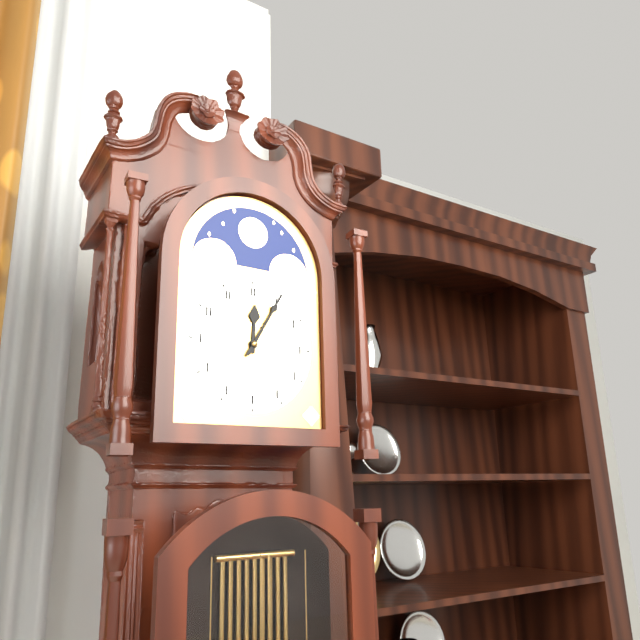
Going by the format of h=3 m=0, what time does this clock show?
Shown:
h=12 m=5
